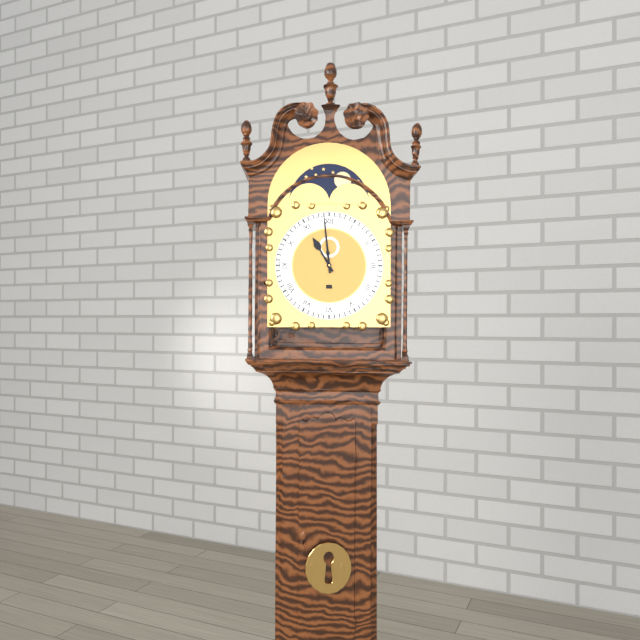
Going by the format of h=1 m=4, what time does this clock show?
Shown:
h=10 m=59
